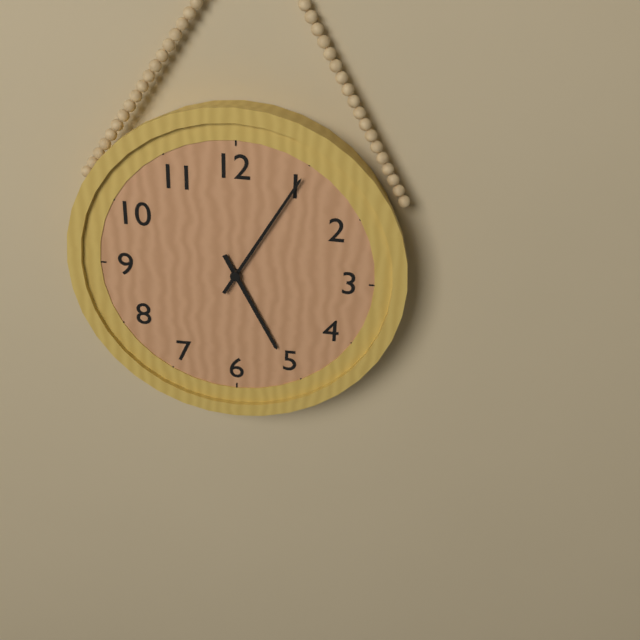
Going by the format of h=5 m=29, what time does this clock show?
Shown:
h=5 m=5
